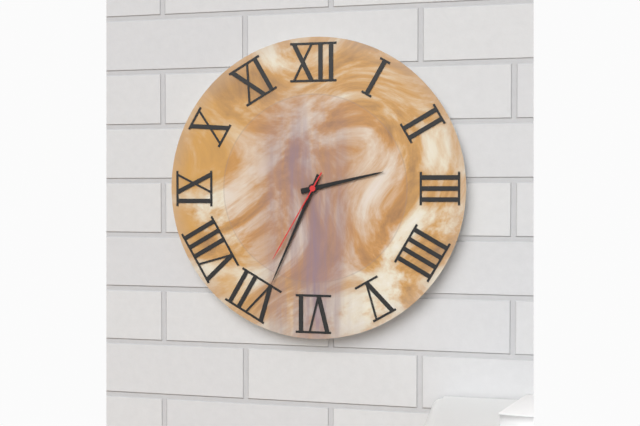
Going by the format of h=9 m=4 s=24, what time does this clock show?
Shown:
h=2 m=34 s=35
